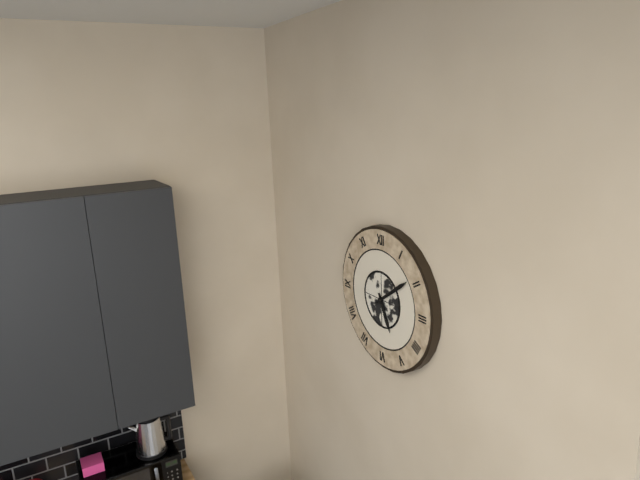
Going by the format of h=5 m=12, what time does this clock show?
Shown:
h=5 m=9
